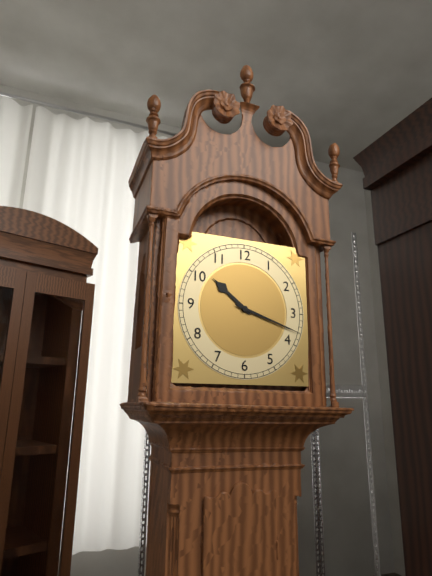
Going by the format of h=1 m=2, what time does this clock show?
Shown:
h=10 m=18
